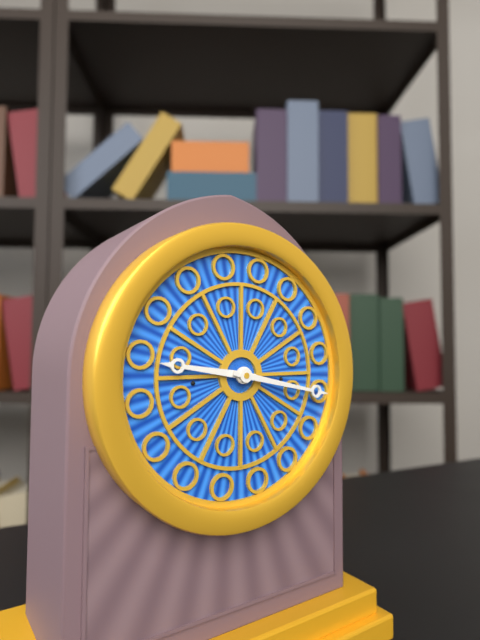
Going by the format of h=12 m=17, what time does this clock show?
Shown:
h=9 m=17
